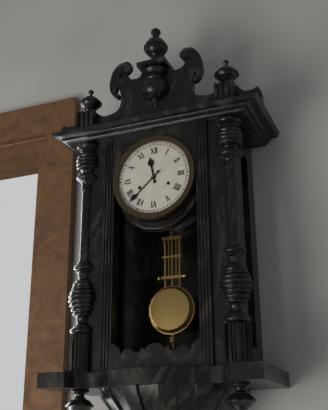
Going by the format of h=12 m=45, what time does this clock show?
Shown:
h=11 m=38
